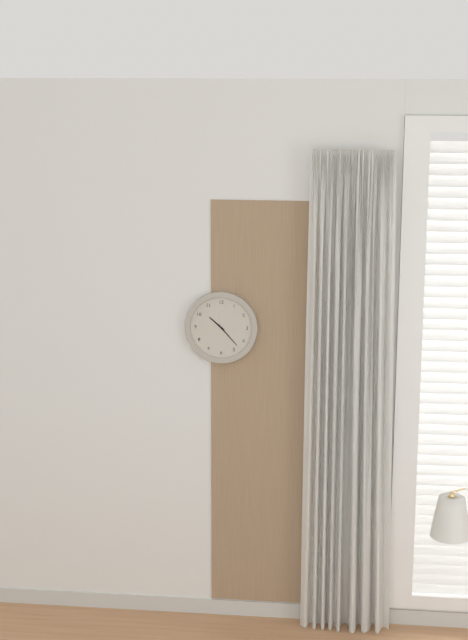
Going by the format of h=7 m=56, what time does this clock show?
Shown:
h=10 m=23
